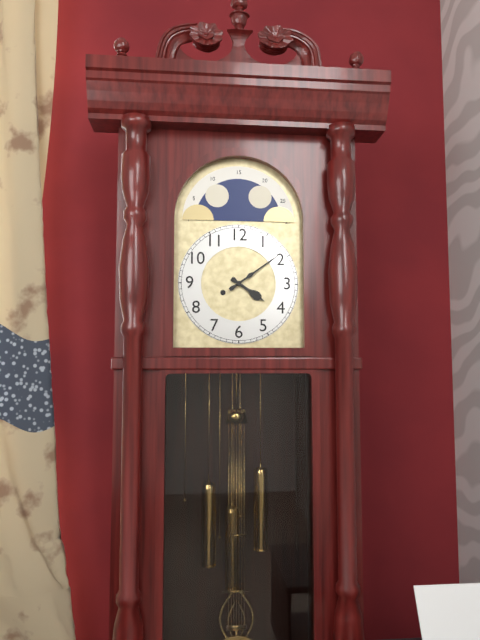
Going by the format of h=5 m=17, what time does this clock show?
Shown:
h=4 m=9
